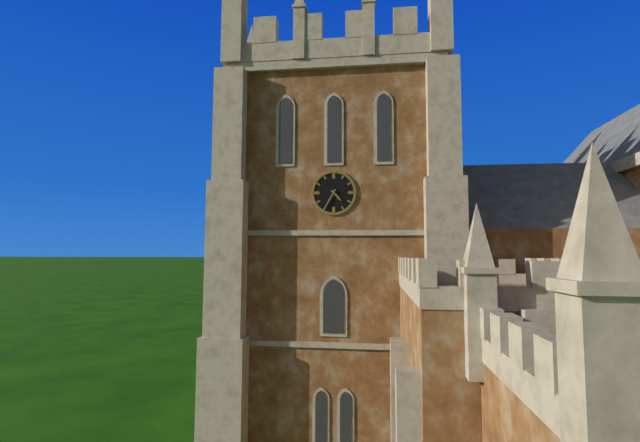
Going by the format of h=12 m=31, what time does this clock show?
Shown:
h=4 m=35
